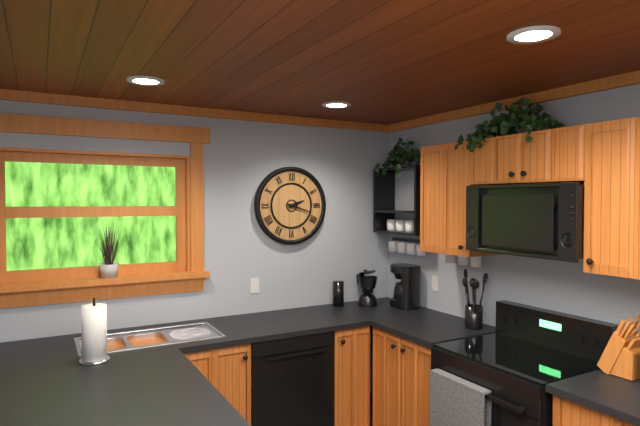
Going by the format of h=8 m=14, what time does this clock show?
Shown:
h=2 m=18
